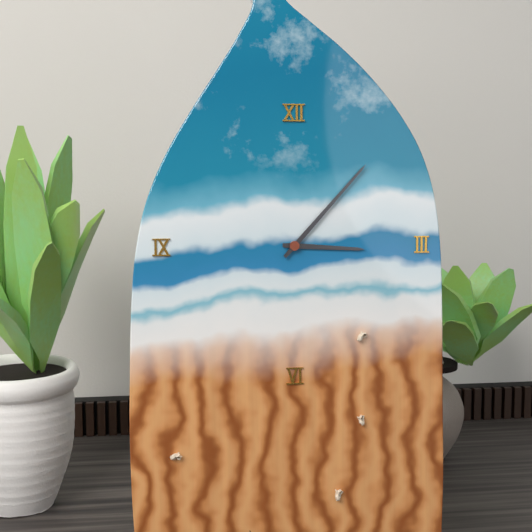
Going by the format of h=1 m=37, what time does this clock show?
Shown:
h=3 m=7
